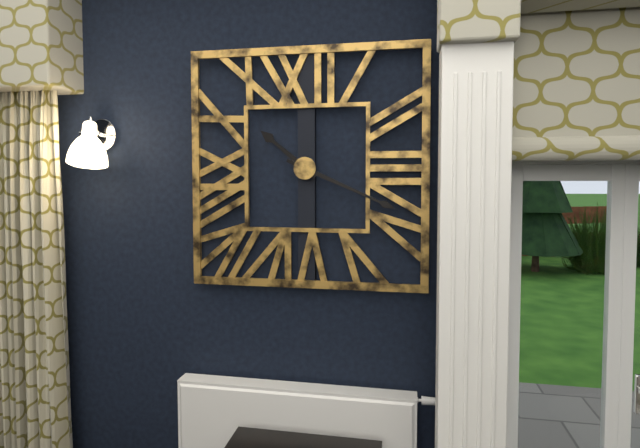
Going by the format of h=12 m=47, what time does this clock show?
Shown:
h=10 m=19
